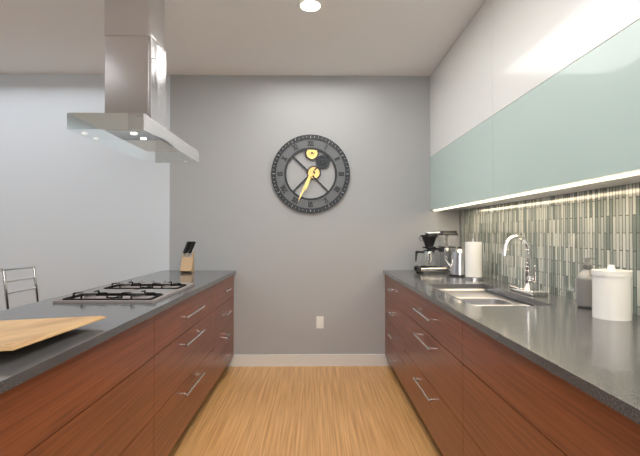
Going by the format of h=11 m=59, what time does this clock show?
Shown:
h=6 m=34
